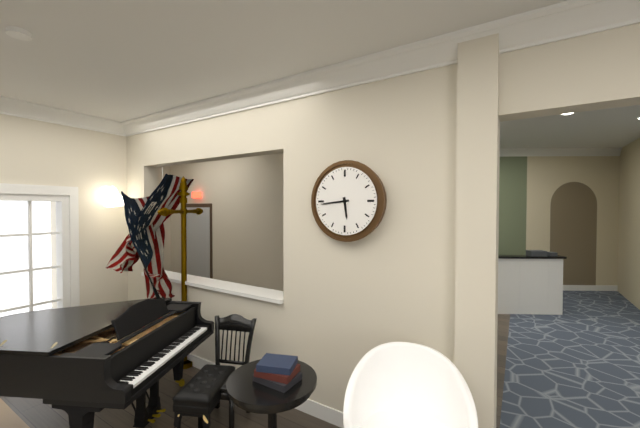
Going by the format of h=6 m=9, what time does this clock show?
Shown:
h=5 m=44
